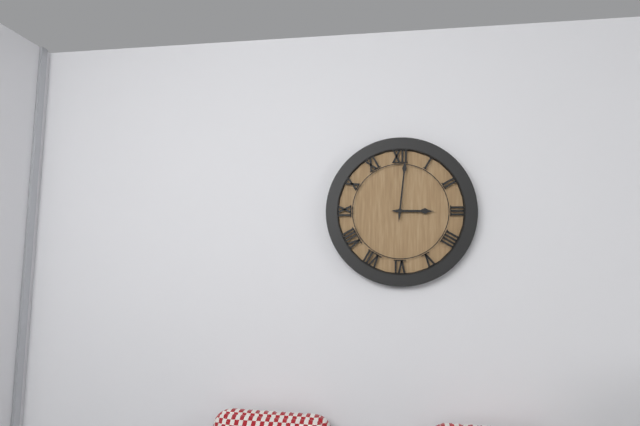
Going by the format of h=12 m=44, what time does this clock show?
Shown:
h=3 m=1
